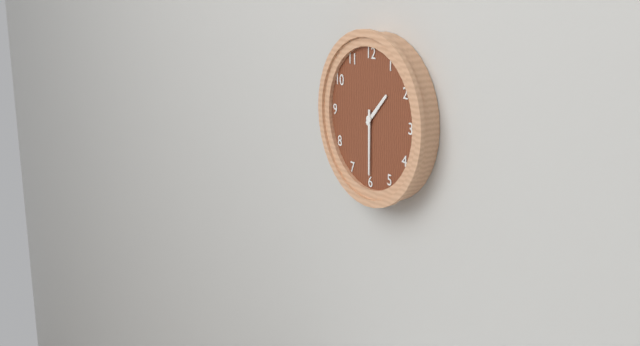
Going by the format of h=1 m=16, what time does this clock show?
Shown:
h=1 m=30
